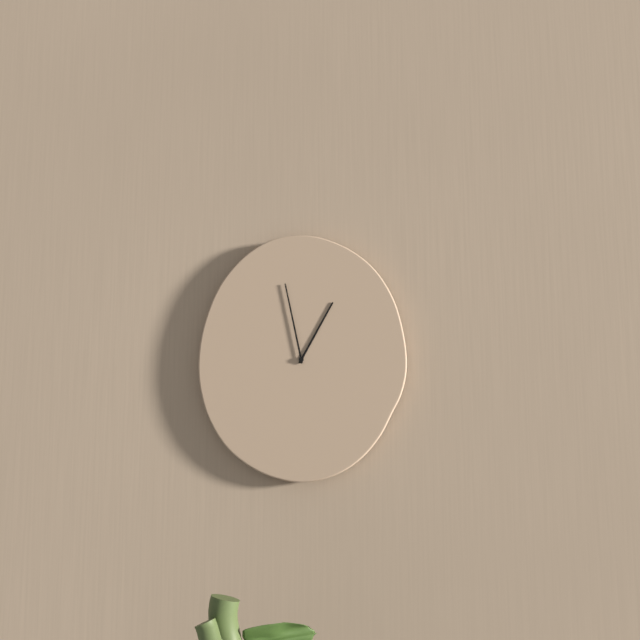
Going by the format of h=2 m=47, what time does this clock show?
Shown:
h=12 m=58
